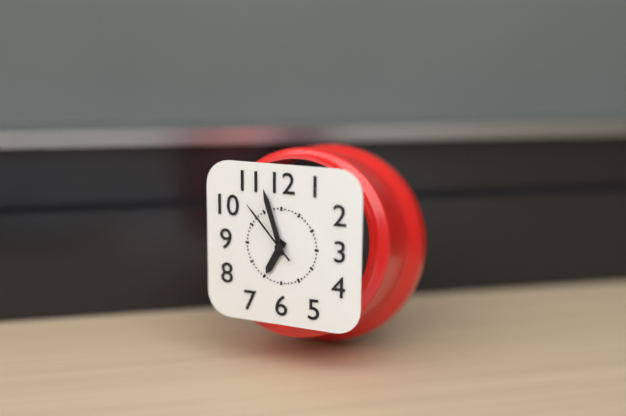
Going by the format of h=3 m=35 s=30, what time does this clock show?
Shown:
h=6 m=57 s=53
